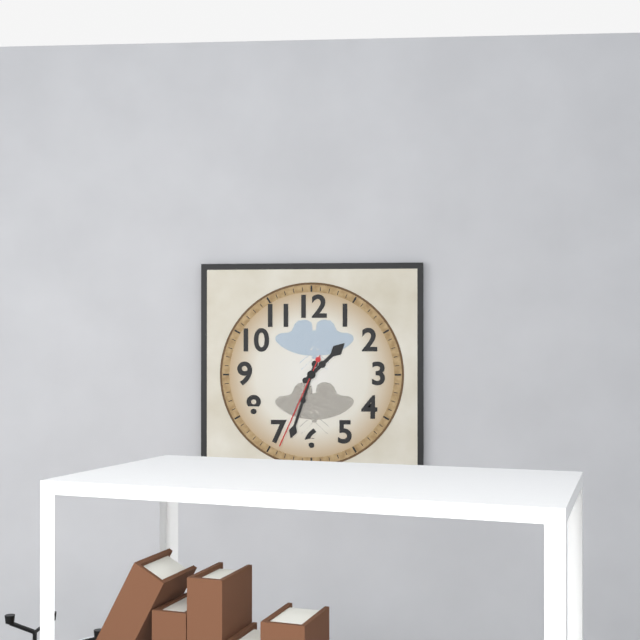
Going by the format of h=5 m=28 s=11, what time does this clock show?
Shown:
h=1 m=33 s=34
